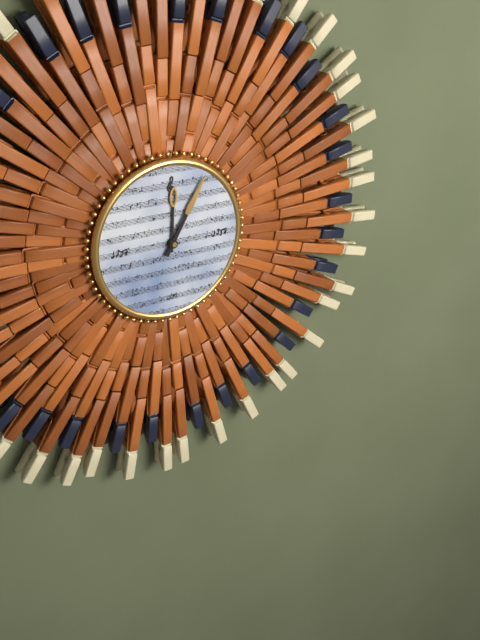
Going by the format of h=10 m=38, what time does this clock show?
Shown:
h=12 m=5
